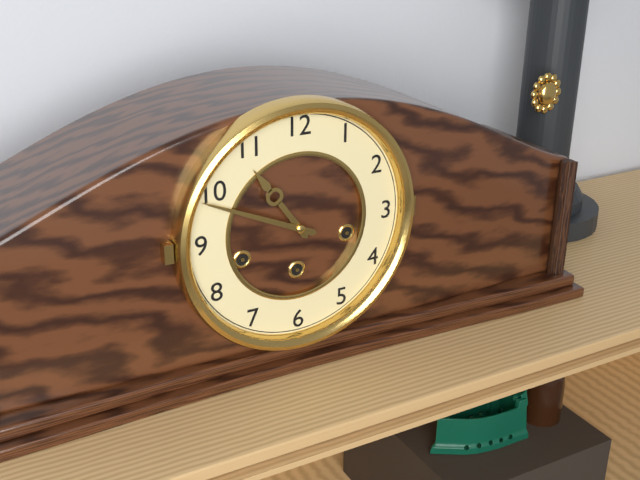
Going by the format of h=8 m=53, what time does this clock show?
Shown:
h=10 m=49
